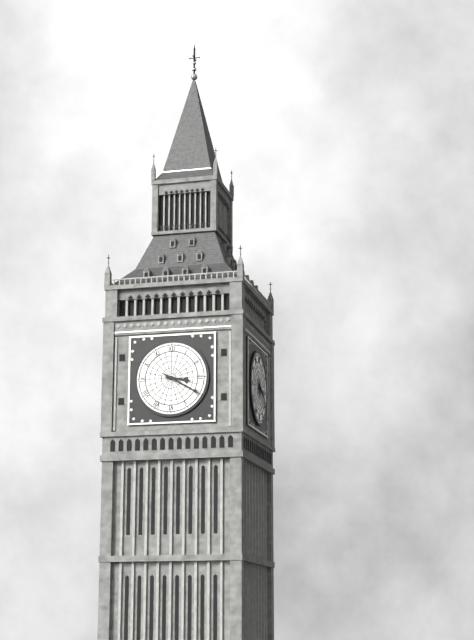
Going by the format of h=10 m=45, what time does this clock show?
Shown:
h=3 m=20
